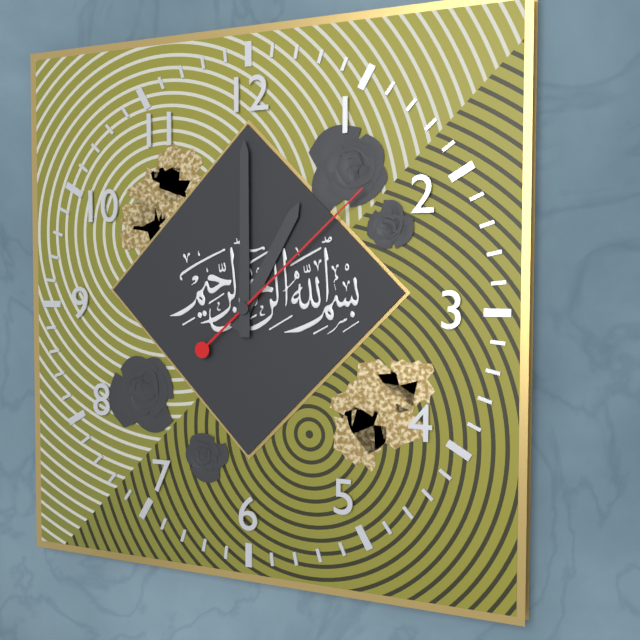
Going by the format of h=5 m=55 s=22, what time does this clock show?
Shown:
h=1 m=0 s=8
